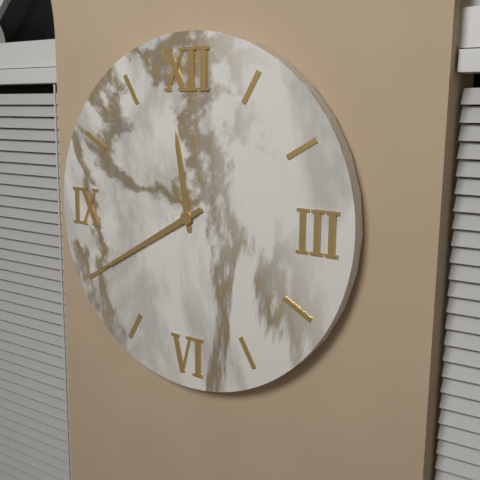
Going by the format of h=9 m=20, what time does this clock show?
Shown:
h=11 m=40
